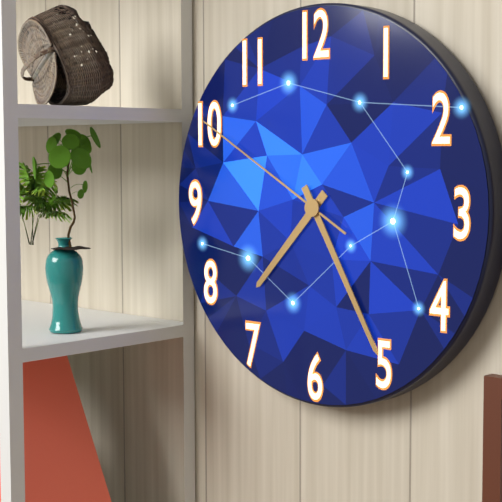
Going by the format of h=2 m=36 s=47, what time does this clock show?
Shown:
h=7 m=25 s=50
